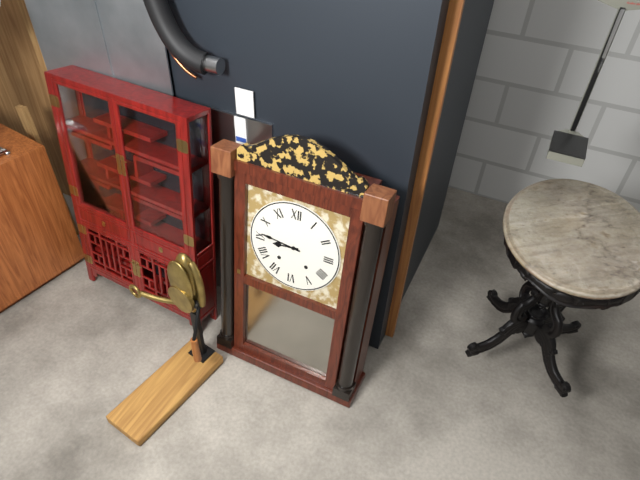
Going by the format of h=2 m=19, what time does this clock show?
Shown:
h=8 m=46
